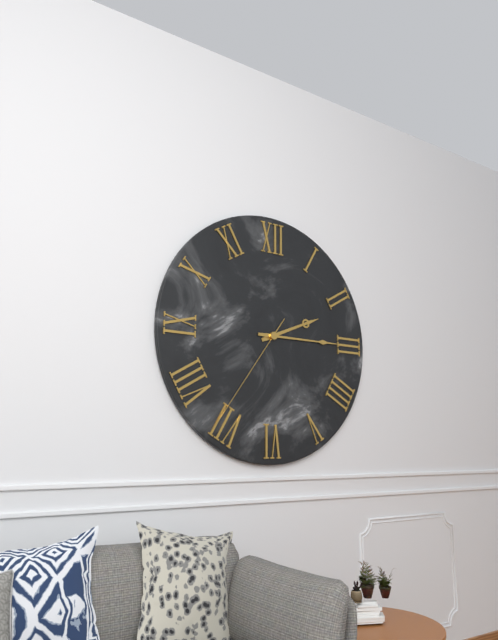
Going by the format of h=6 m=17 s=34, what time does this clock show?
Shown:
h=2 m=15 s=36
